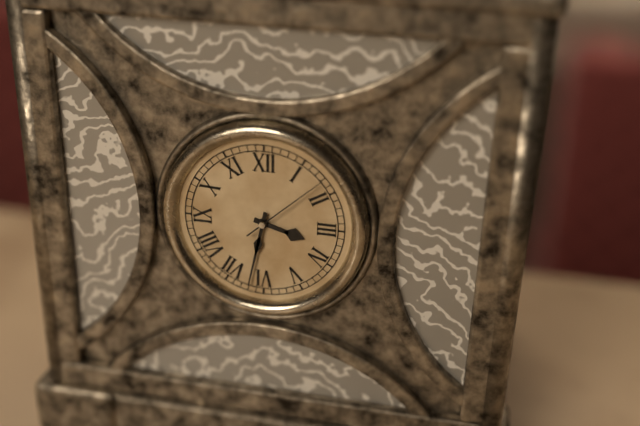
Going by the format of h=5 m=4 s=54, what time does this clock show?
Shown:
h=3 m=32 s=8
